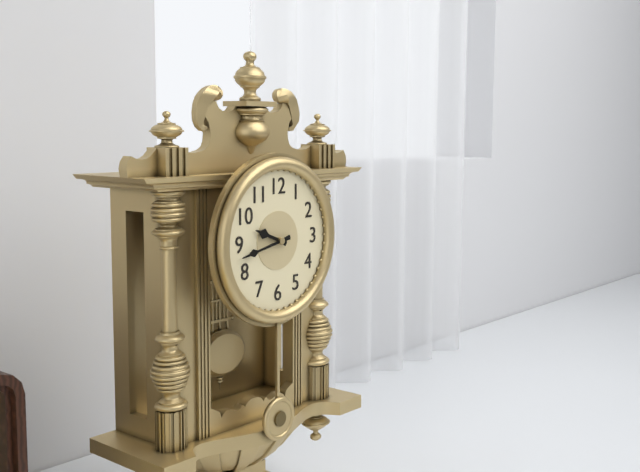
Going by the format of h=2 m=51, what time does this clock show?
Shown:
h=9 m=43
